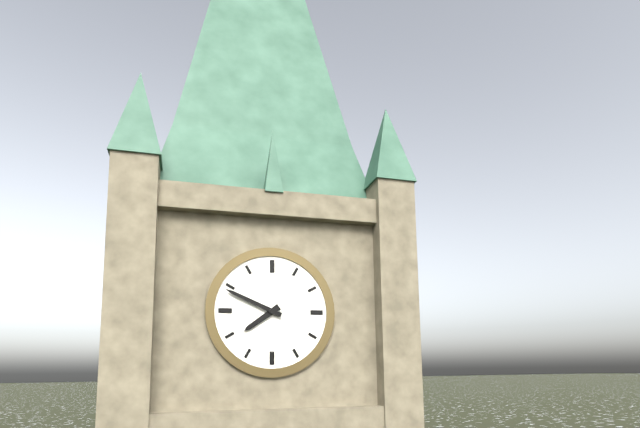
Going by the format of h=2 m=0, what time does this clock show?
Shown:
h=7 m=49
